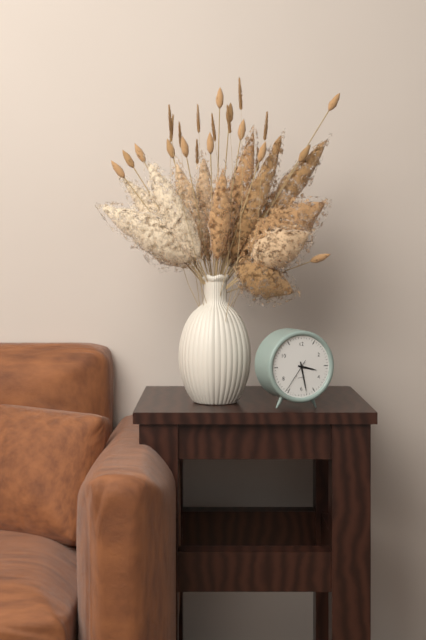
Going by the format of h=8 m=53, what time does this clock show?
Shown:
h=3 m=28
